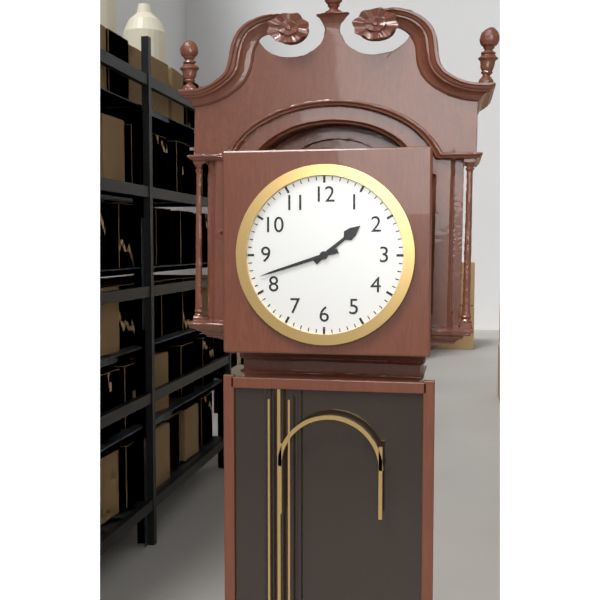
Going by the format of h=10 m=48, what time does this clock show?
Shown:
h=1 m=42
